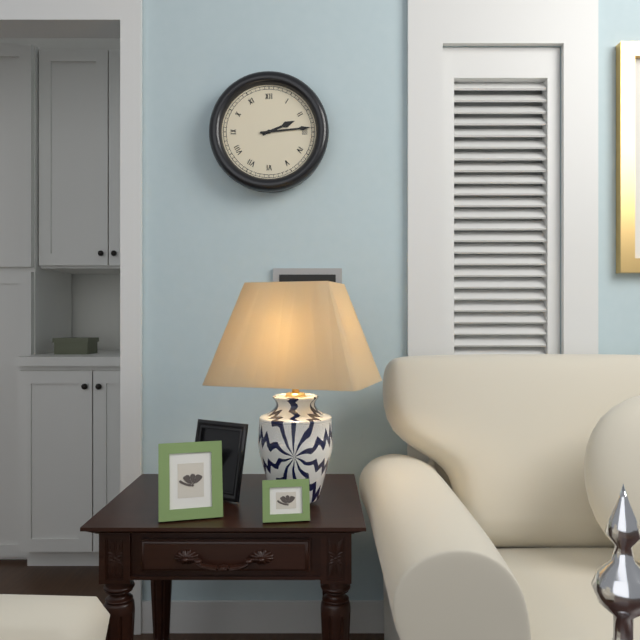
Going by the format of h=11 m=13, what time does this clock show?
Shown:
h=2 m=14
